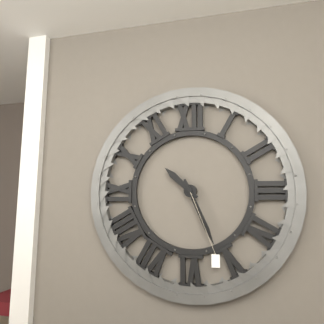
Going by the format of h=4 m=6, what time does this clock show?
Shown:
h=10 m=26
